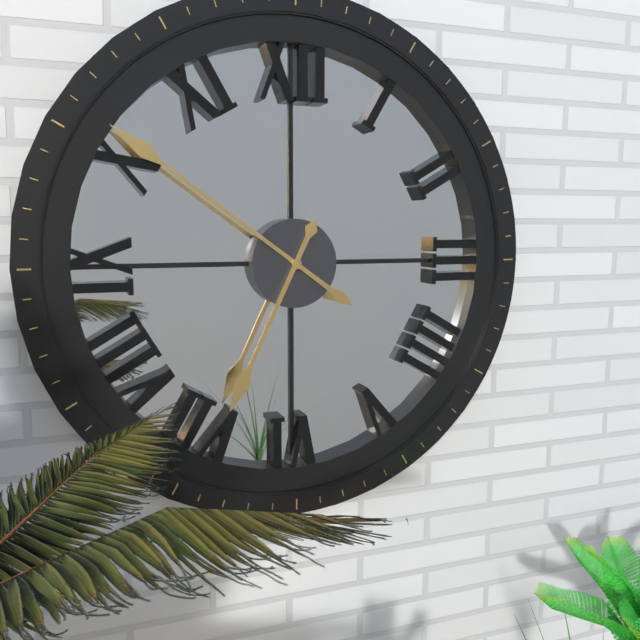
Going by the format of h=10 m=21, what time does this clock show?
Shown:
h=6 m=51
